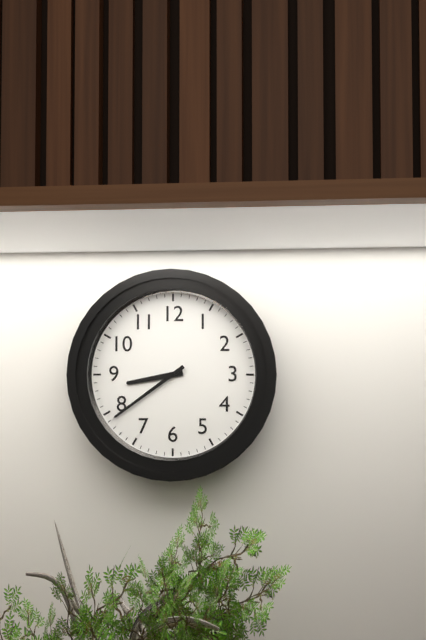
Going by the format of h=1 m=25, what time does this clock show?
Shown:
h=8 m=39
